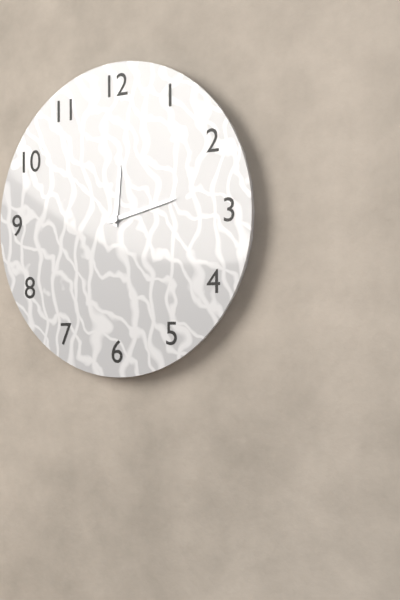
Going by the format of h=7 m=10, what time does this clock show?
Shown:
h=12 m=13
